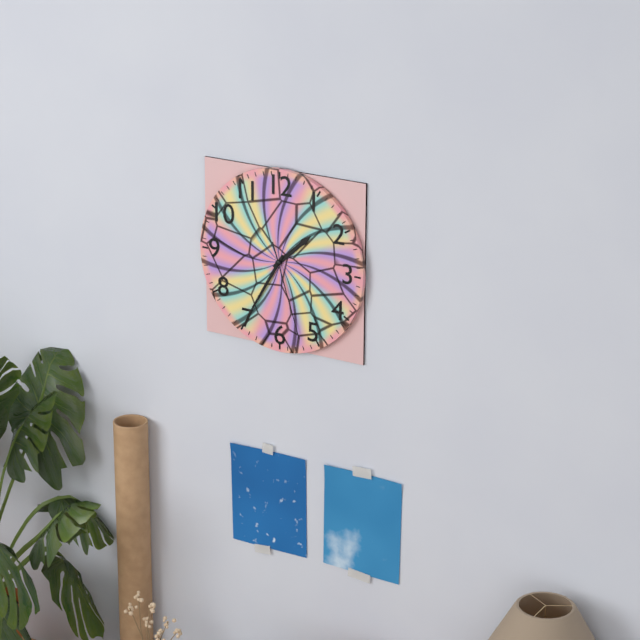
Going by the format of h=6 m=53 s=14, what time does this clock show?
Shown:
h=1 m=35 s=27
